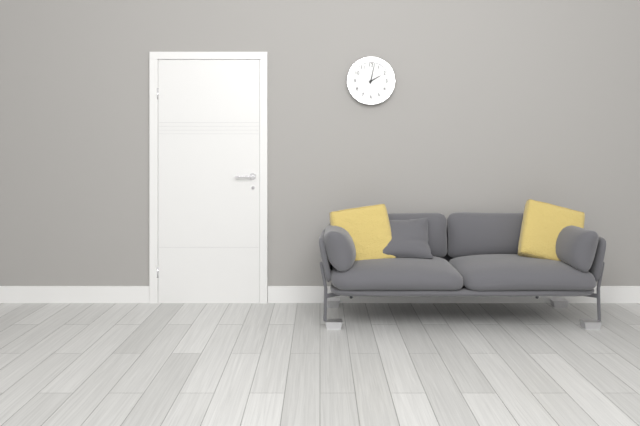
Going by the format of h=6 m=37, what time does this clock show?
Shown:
h=2 m=2
